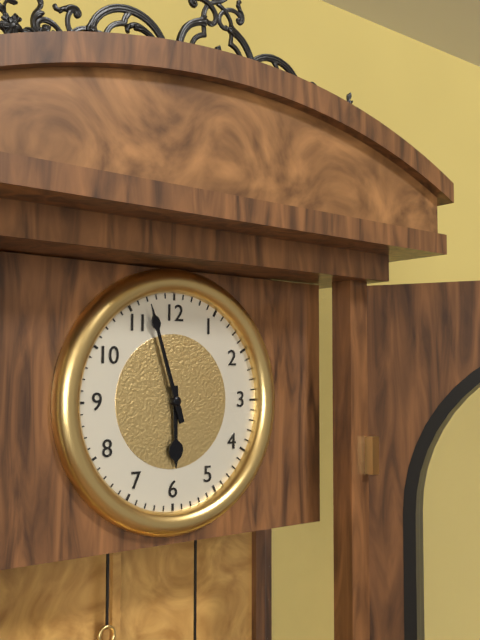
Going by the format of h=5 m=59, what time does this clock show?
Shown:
h=5 m=57
